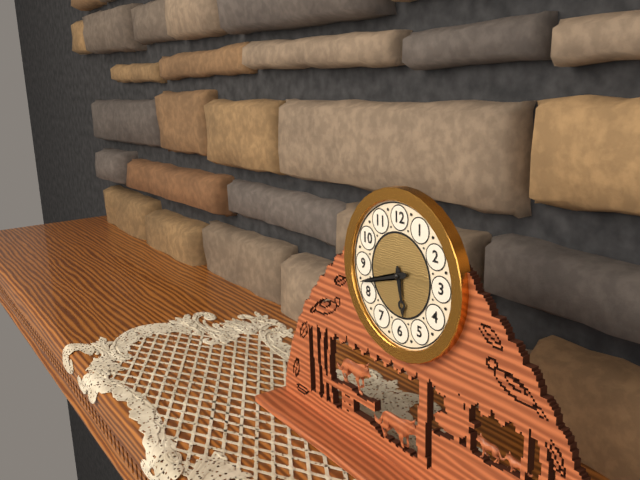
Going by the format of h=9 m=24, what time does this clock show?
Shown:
h=5 m=42
